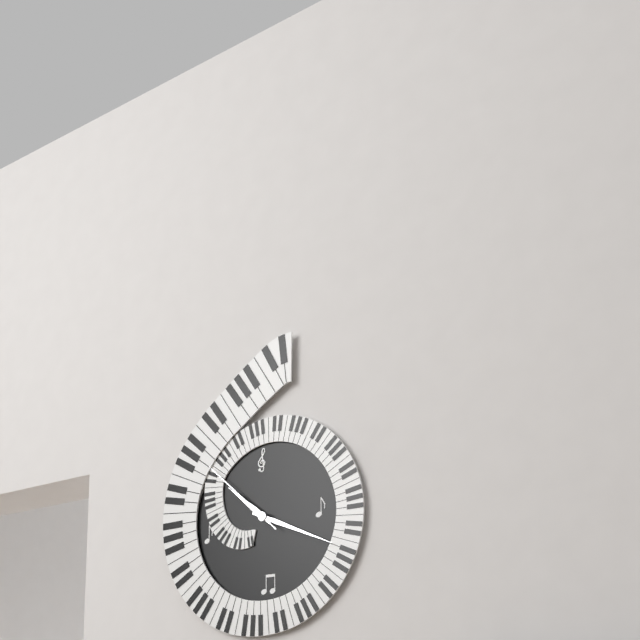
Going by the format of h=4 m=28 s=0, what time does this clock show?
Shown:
h=10 m=19 s=52
